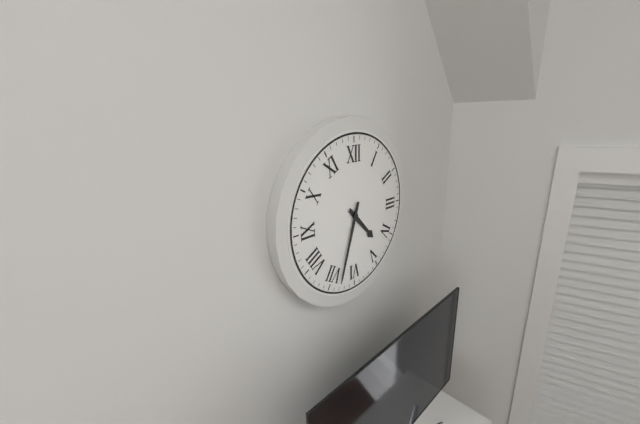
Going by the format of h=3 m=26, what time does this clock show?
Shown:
h=4 m=33
